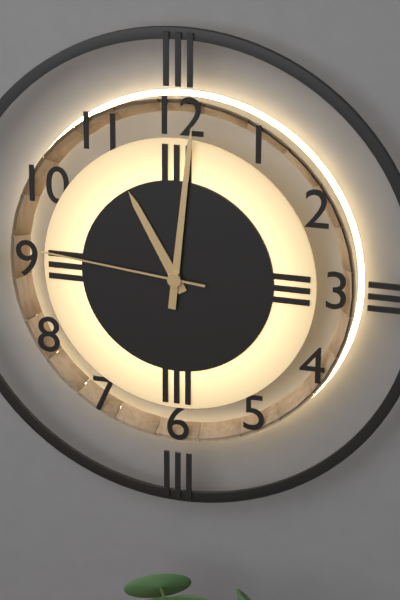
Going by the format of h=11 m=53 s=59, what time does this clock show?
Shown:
h=11 m=1 s=46
